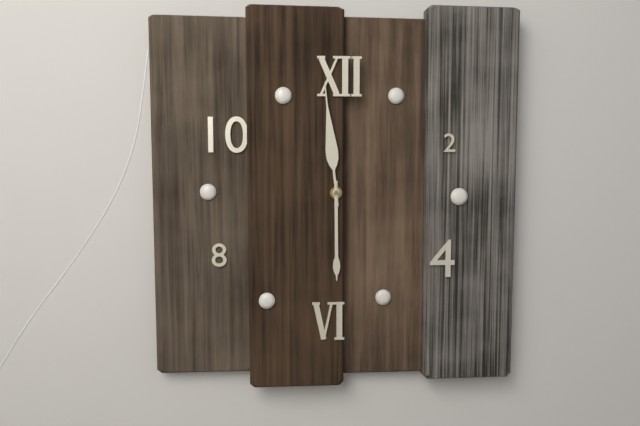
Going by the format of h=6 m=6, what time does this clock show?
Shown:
h=5 m=59
